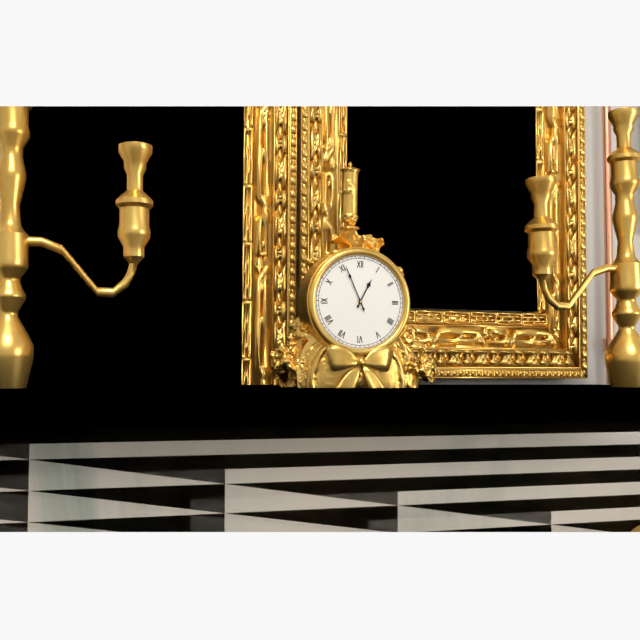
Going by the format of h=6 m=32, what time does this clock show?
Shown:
h=12 m=56
